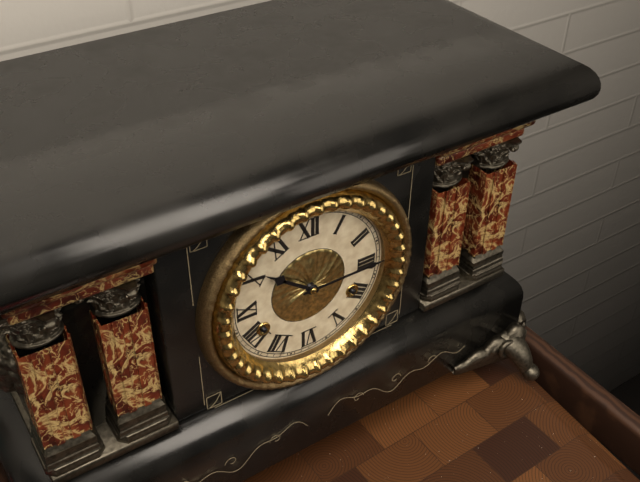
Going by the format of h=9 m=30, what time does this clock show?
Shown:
h=10 m=15
